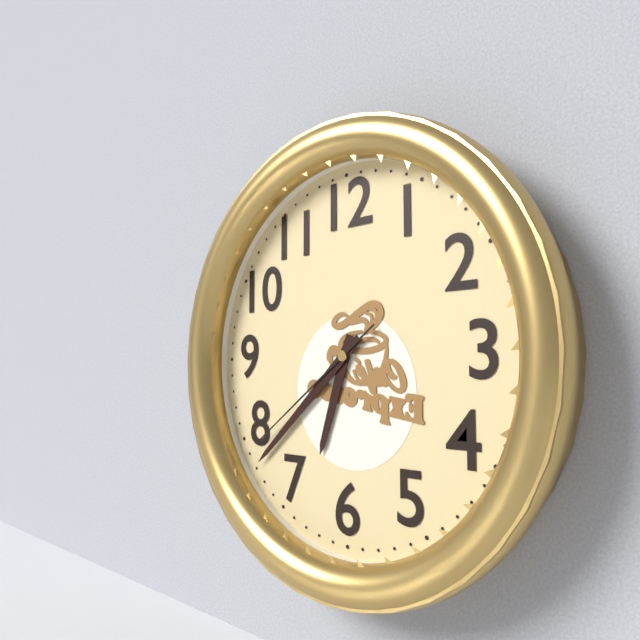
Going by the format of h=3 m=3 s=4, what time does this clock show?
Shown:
h=6 m=38 s=39
